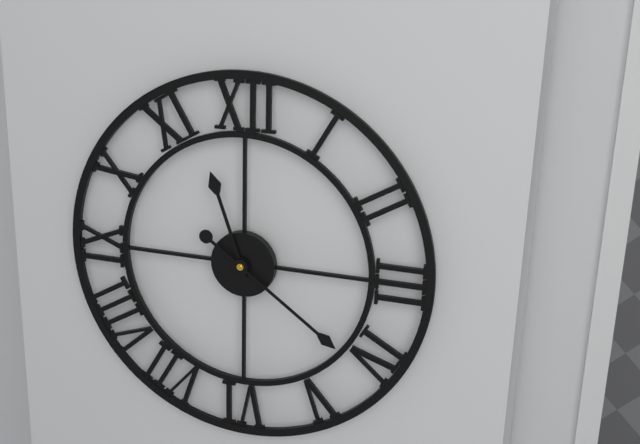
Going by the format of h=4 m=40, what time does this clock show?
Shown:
h=11 m=21
